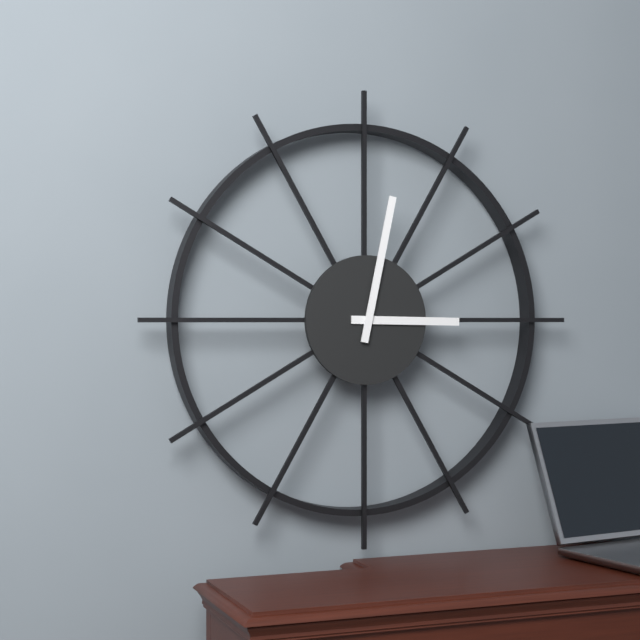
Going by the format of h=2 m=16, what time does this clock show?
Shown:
h=3 m=2
